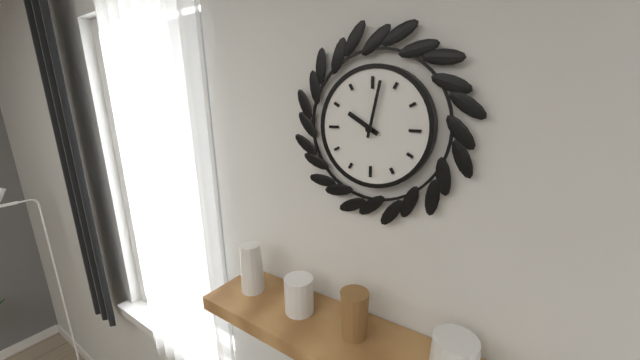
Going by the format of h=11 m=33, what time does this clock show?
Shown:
h=10 m=2
